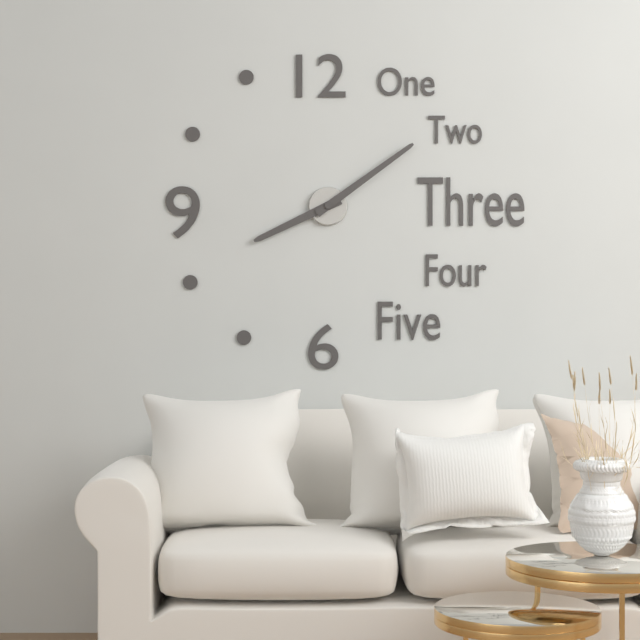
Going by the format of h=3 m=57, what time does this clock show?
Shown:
h=8 m=9
